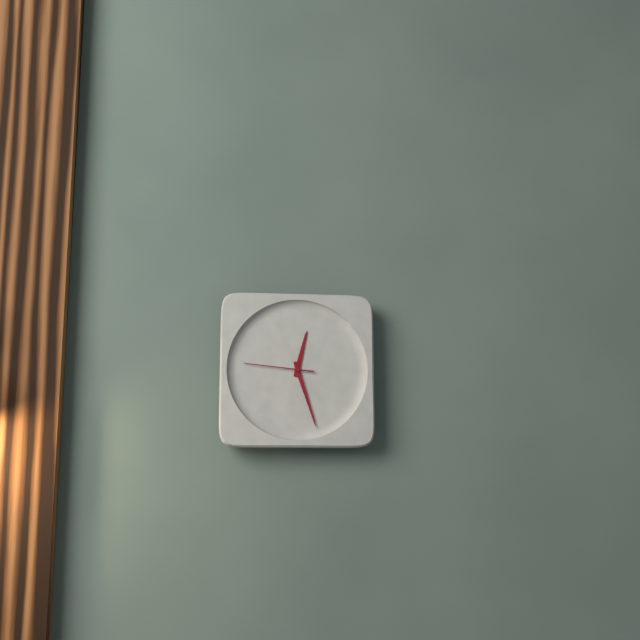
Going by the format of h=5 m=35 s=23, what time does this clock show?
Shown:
h=12 m=27 s=46
